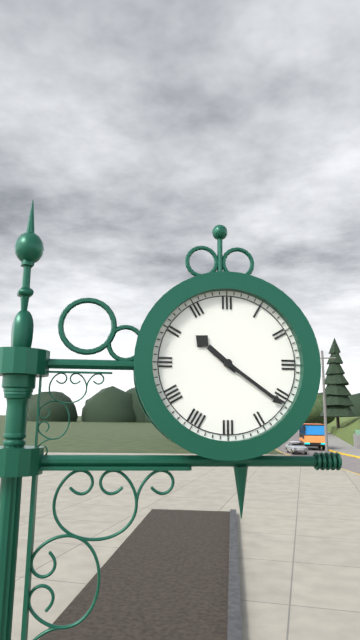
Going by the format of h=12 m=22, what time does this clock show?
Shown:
h=10 m=21
